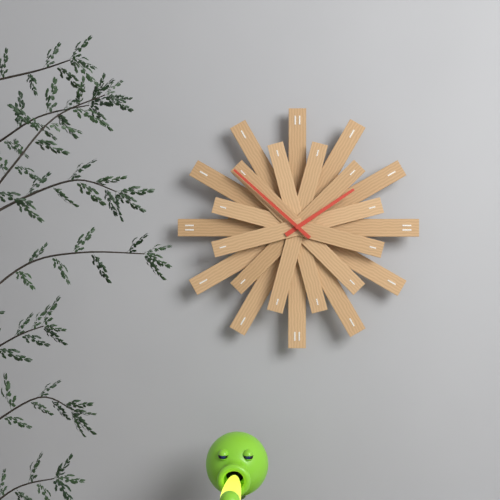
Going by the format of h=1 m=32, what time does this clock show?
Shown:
h=1 m=52
